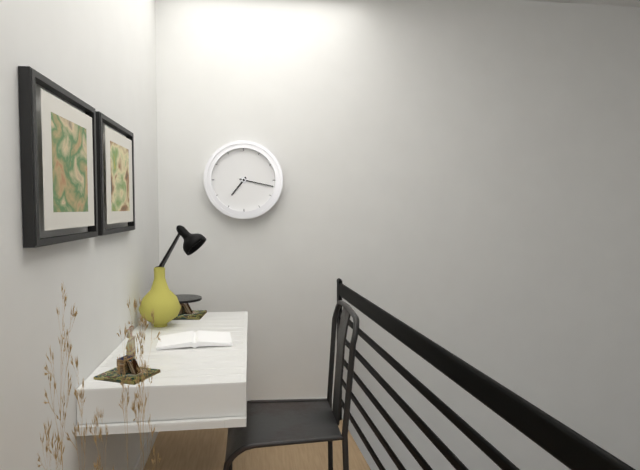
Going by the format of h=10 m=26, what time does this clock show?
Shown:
h=7 m=17
